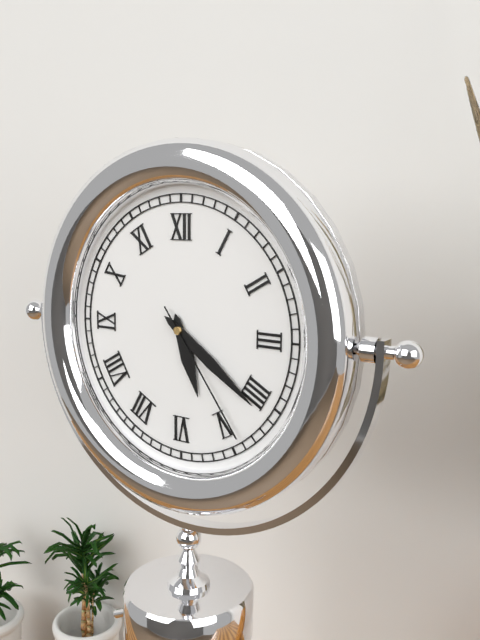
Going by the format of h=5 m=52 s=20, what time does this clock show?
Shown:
h=5 m=21 s=24
